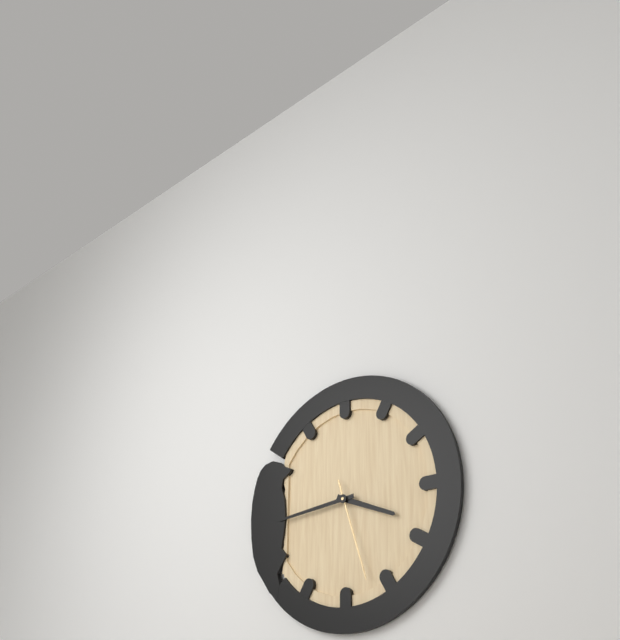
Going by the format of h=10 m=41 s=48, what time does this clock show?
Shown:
h=3 m=44 s=27
